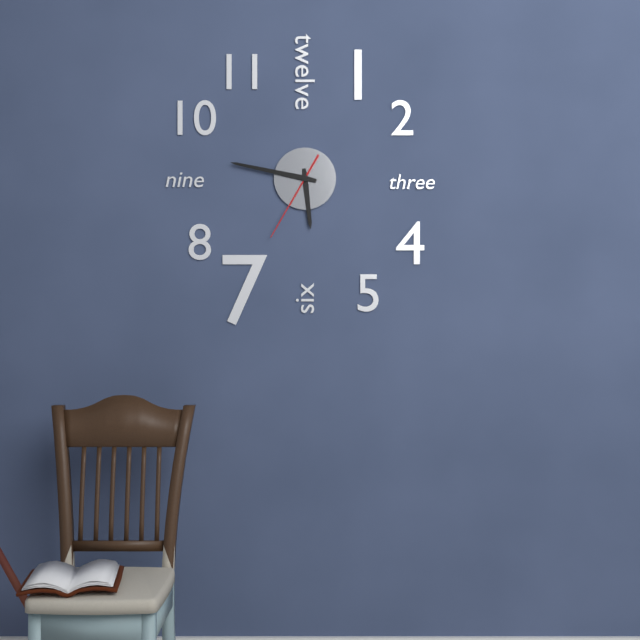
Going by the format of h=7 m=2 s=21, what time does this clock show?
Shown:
h=5 m=47 s=35
